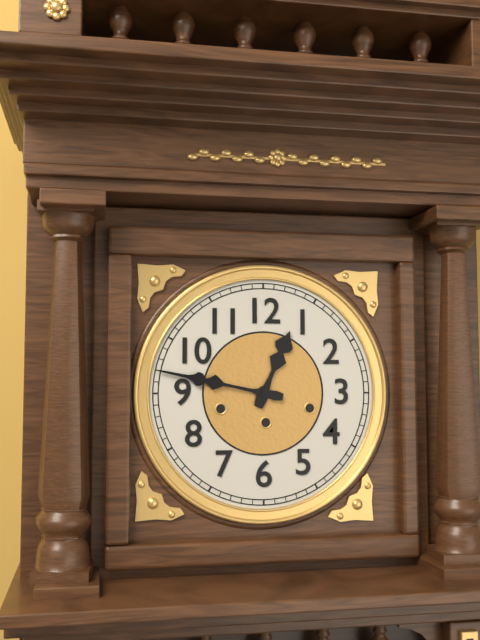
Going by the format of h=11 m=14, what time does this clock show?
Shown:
h=12 m=47
